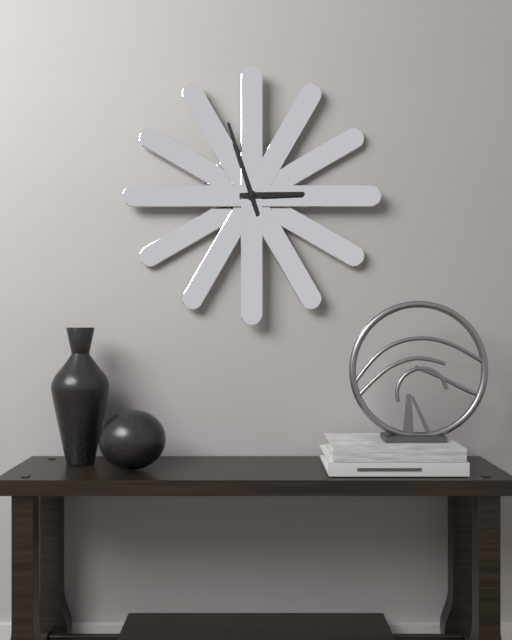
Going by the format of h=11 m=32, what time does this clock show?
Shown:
h=2 m=57
